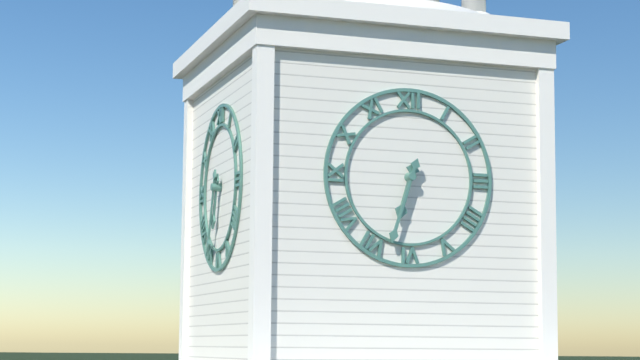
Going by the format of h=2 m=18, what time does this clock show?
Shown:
h=6 m=33
